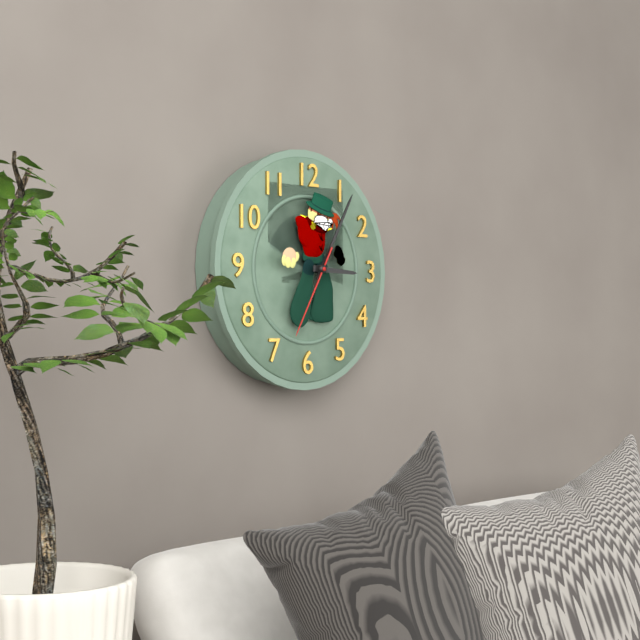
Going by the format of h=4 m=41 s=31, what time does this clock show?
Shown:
h=3 m=5 s=35
